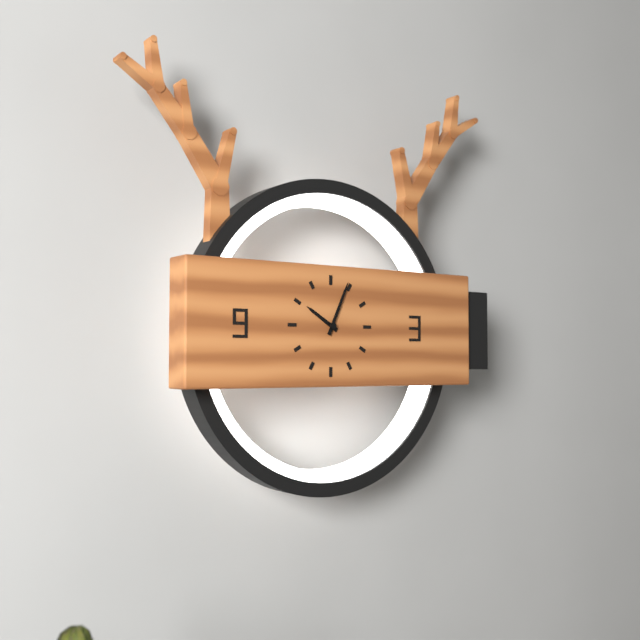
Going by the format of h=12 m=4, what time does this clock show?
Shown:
h=10 m=4
